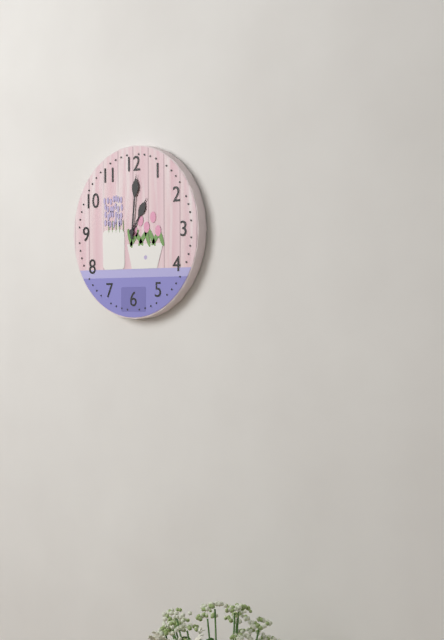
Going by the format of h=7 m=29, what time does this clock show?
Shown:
h=1 m=1
